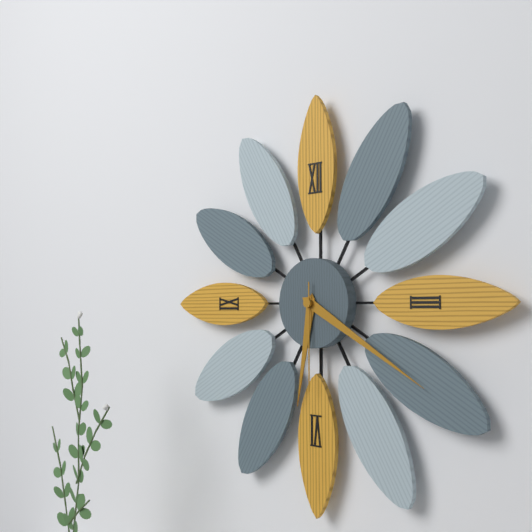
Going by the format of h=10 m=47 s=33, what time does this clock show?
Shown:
h=6 m=20 s=30
